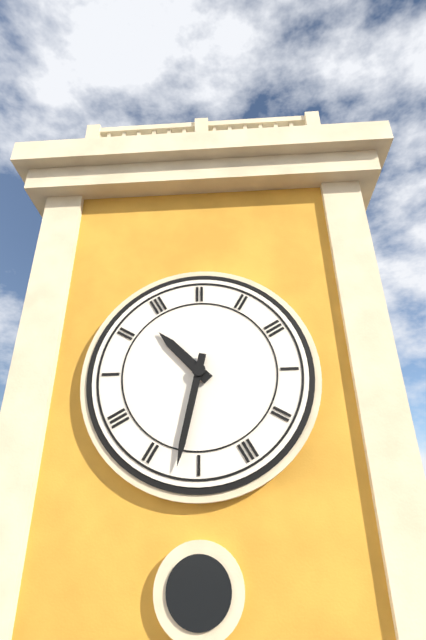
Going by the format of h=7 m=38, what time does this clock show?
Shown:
h=10 m=32
